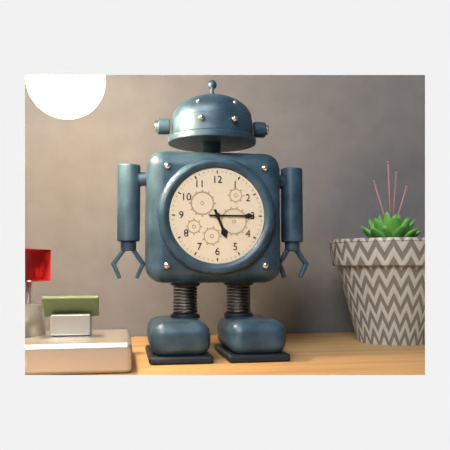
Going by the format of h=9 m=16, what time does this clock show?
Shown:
h=5 m=15
